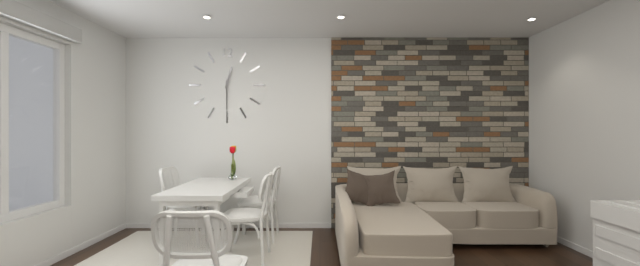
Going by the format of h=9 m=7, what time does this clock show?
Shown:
h=12 m=30
